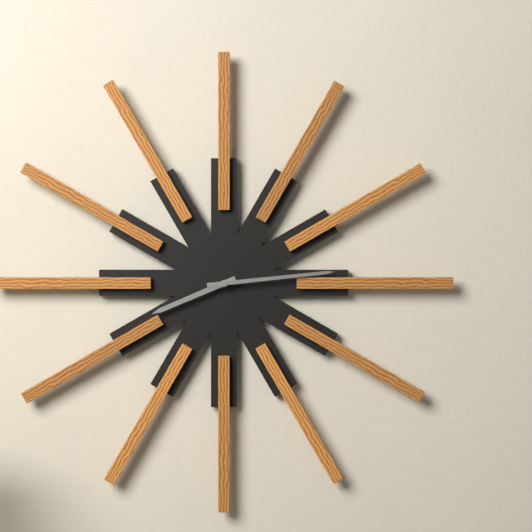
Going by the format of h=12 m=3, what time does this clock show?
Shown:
h=8 m=14
